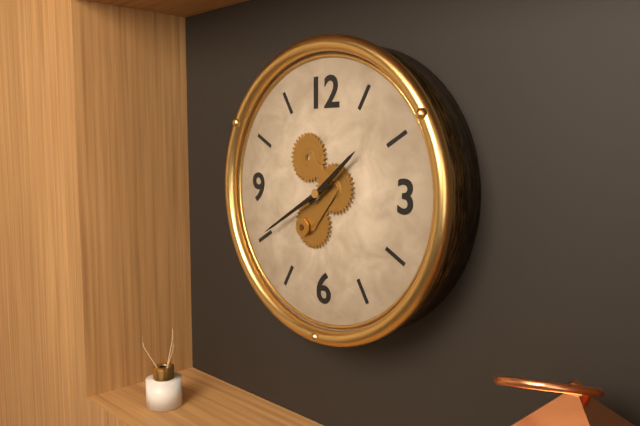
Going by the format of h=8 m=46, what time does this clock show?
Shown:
h=1 m=40
